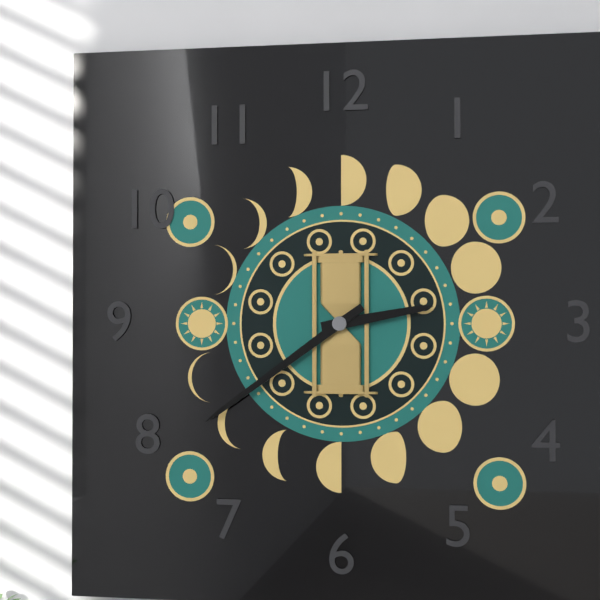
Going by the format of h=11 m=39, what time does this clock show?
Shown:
h=2 m=39
